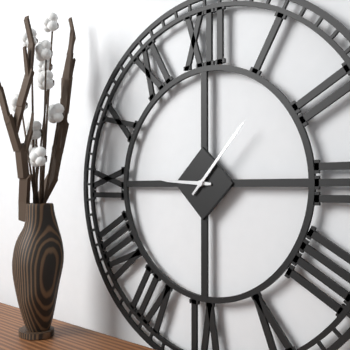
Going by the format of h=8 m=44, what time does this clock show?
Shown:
h=9 m=7
